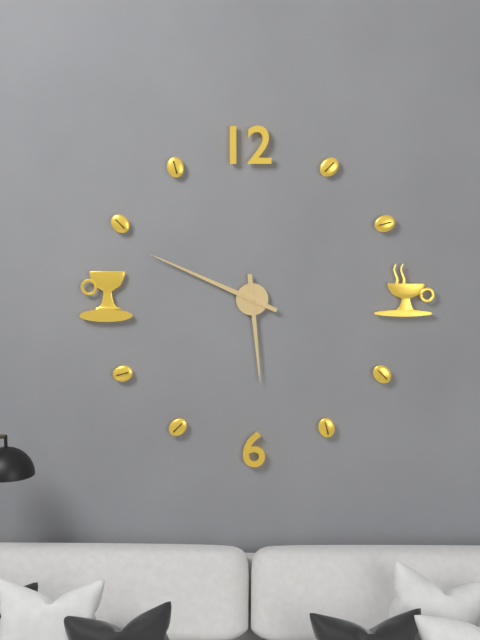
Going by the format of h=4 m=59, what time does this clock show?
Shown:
h=5 m=49
